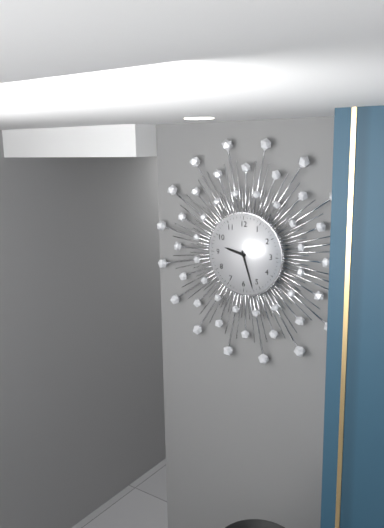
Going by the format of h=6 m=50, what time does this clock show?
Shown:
h=9 m=27
